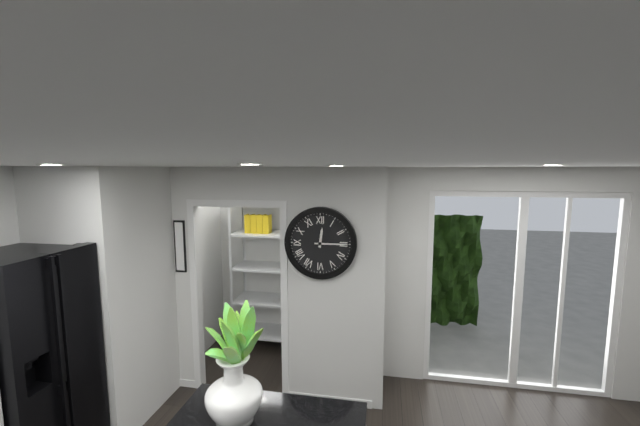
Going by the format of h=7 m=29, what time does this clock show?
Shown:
h=12 m=15
